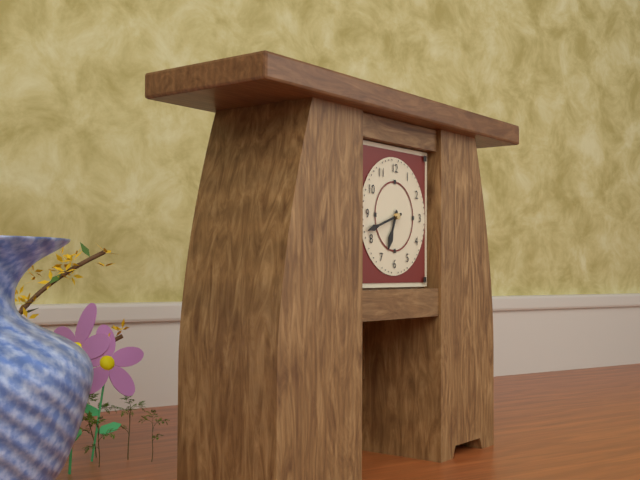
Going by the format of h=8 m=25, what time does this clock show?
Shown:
h=6 m=42
